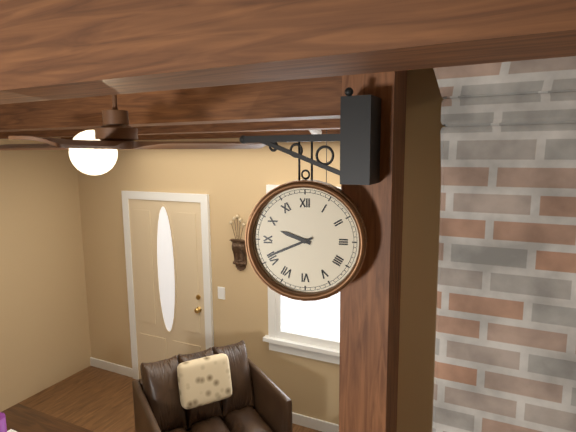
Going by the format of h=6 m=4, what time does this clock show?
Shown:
h=9 m=41
